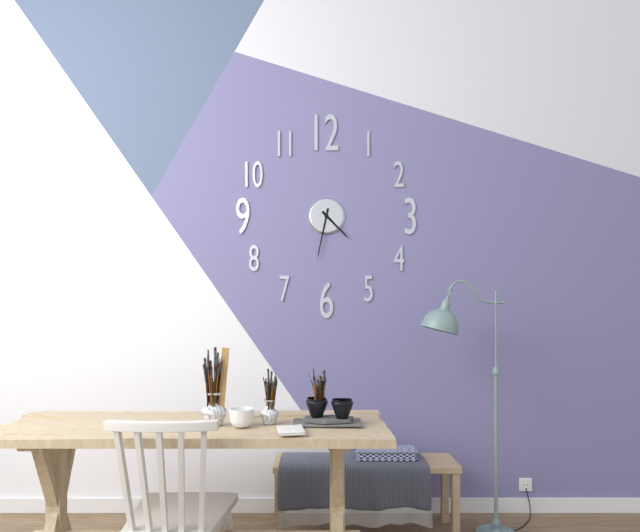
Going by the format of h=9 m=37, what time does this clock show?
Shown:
h=4 m=32
